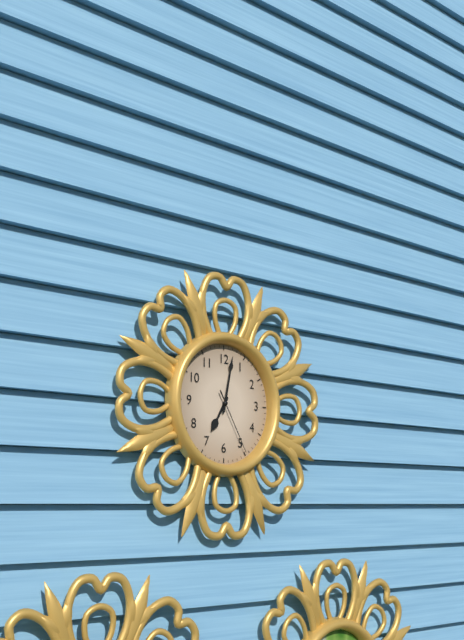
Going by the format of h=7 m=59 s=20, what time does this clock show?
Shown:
h=7 m=2 s=25
